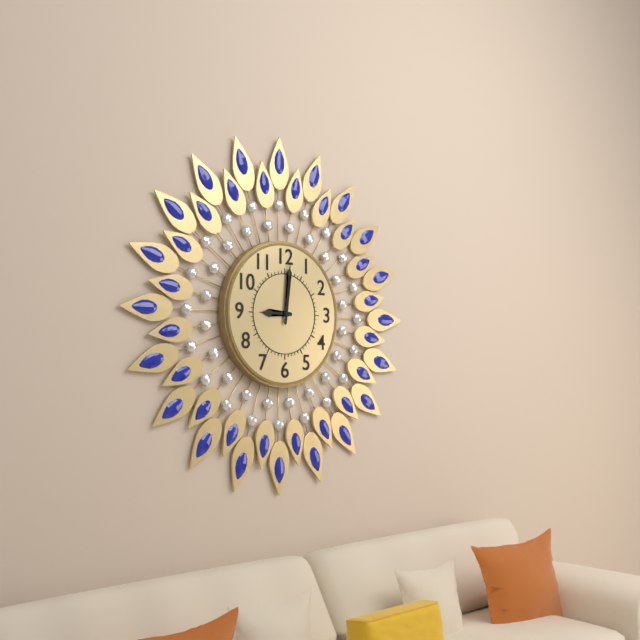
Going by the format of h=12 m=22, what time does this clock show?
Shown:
h=9 m=1
